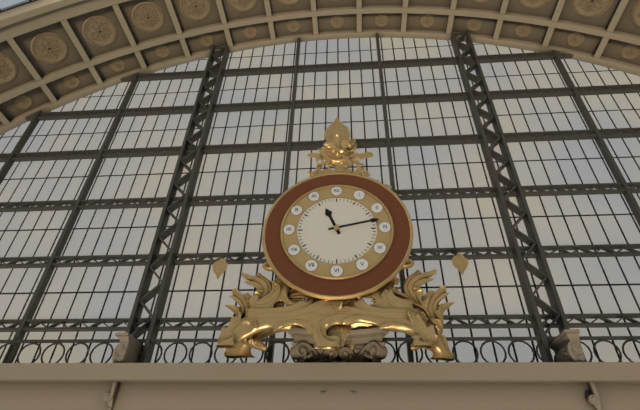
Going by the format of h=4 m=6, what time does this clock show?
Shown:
h=11 m=13
